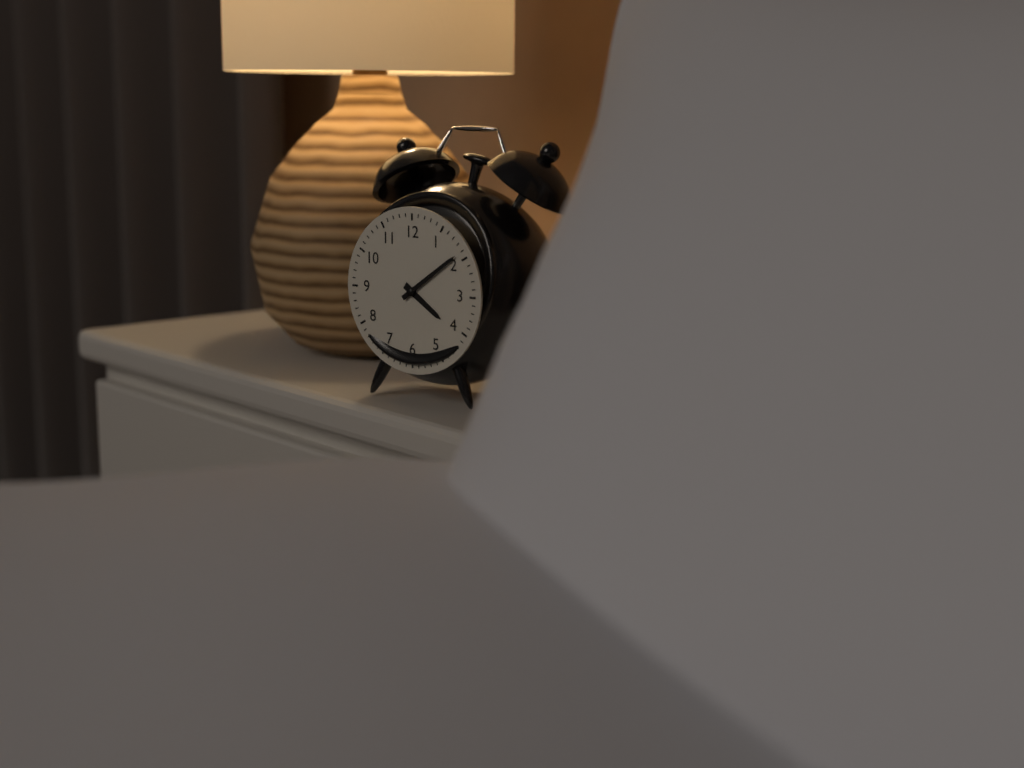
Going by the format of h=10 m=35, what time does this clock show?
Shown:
h=4 m=9
